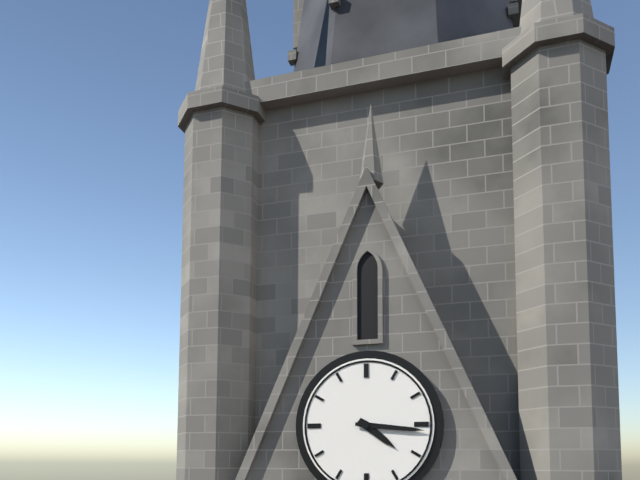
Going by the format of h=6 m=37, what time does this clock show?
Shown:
h=4 m=16
